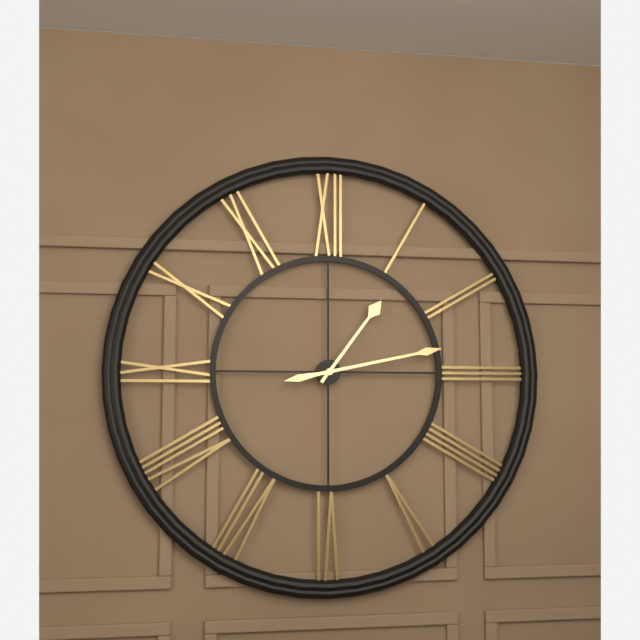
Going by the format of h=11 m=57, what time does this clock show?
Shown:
h=1 m=13
